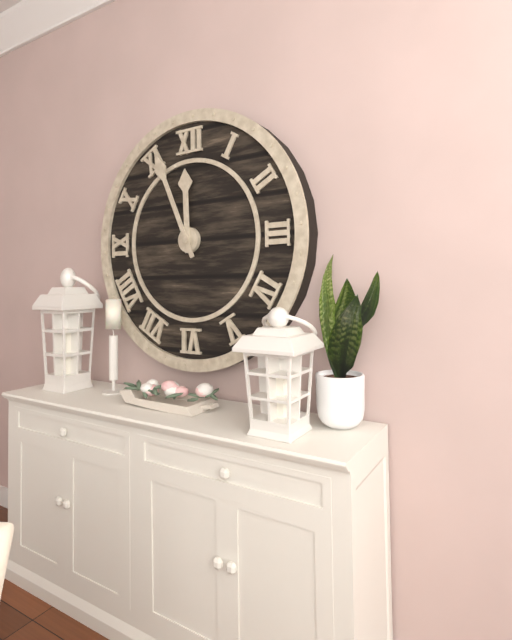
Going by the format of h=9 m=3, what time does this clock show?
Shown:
h=11 m=56
